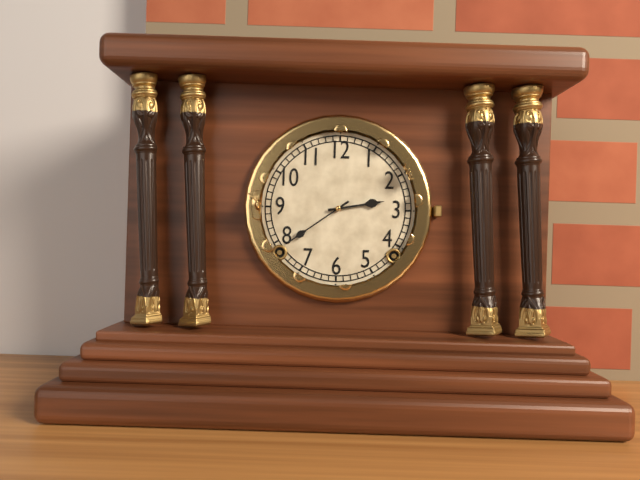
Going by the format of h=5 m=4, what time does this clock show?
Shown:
h=2 m=39
